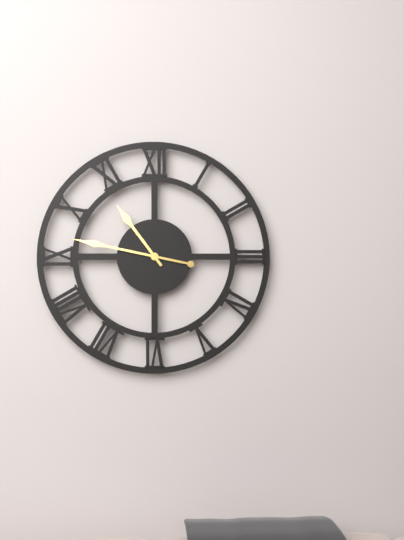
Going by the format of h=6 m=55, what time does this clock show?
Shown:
h=10 m=47
